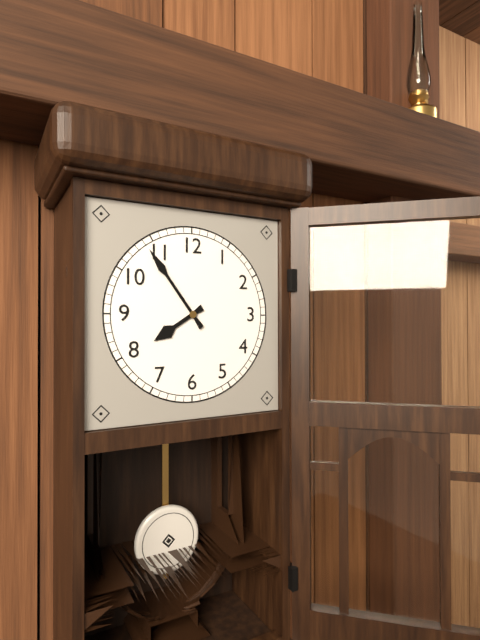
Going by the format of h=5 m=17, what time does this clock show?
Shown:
h=7 m=54
